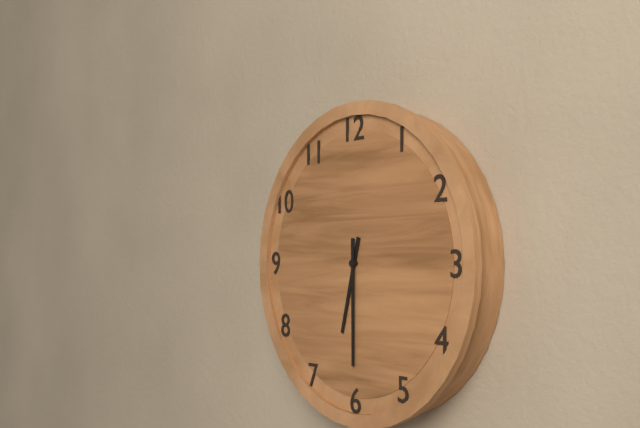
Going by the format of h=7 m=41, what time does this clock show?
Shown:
h=6 m=30
